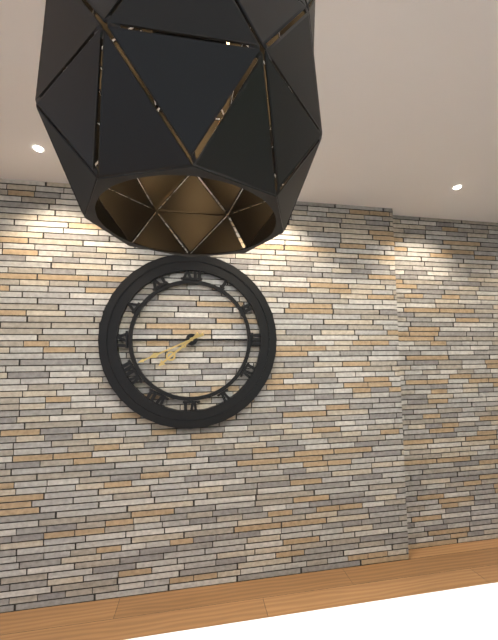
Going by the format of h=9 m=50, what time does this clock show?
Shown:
h=7 m=41
